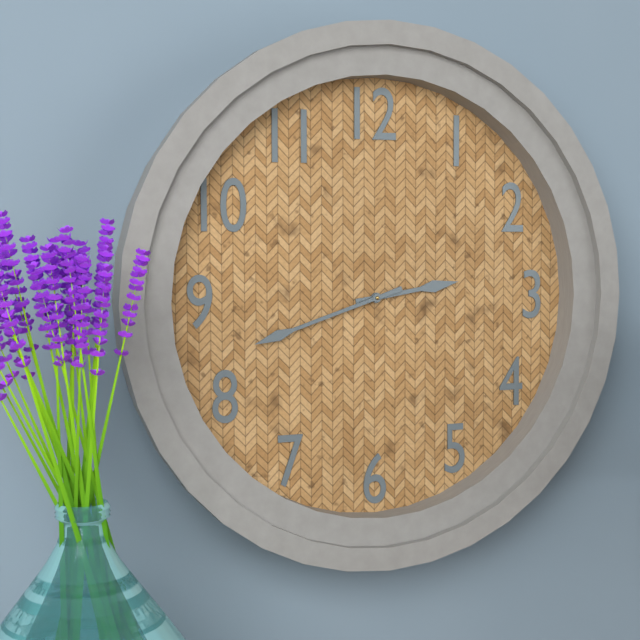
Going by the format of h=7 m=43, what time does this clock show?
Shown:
h=2 m=42
